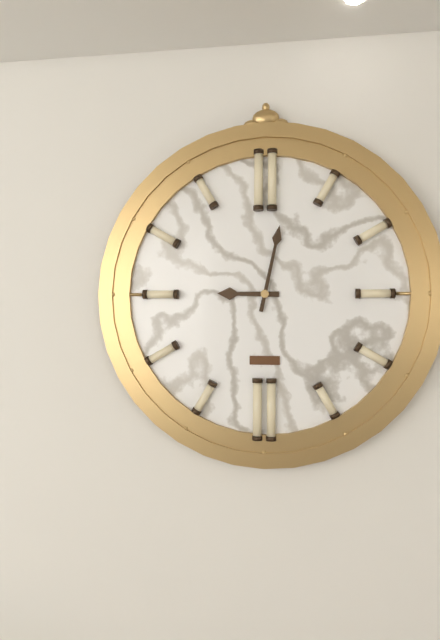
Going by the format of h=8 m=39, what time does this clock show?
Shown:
h=9 m=2
